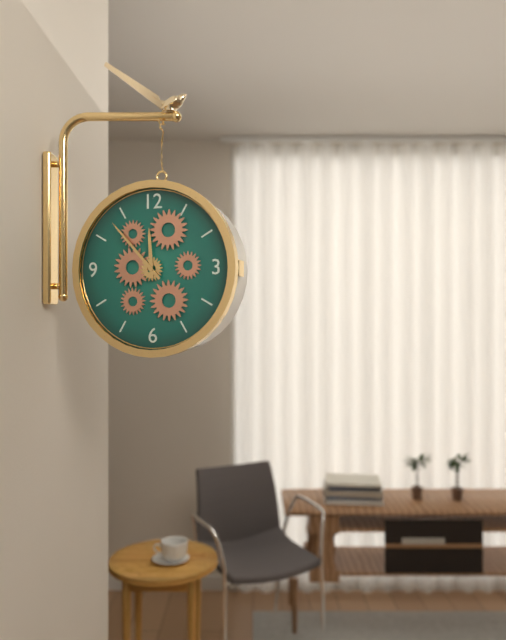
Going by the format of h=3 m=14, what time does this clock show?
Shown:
h=11 m=53
